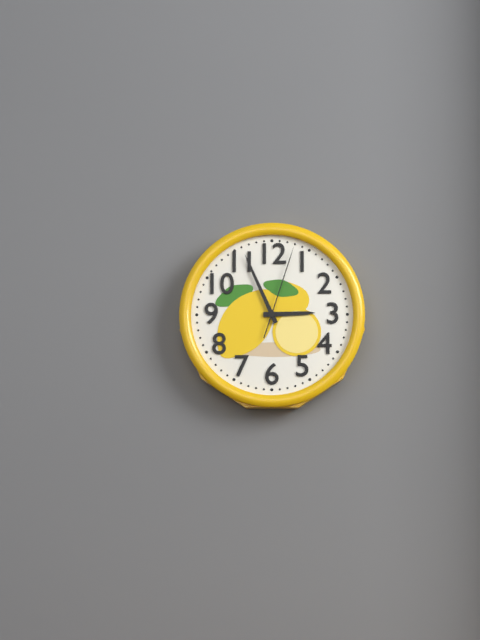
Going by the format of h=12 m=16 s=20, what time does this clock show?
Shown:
h=2 m=56 s=3
